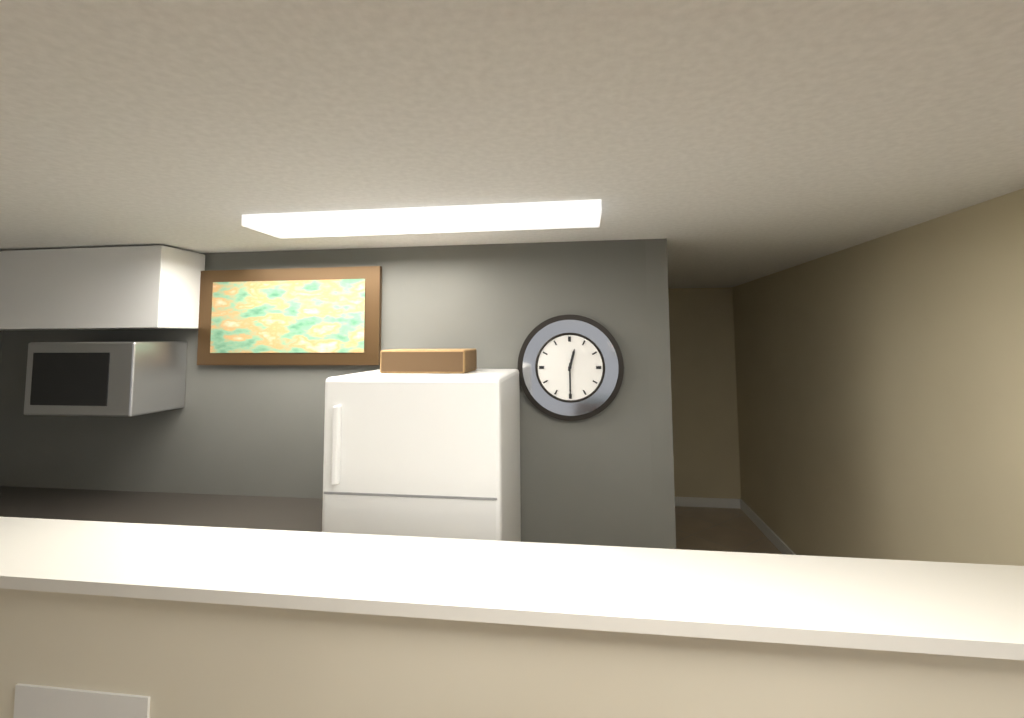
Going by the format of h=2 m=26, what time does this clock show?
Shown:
h=12 m=30
